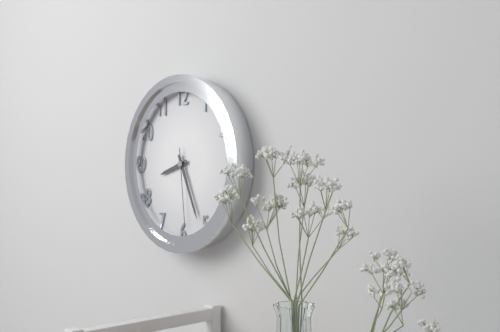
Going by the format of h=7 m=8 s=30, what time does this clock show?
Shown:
h=8 m=26 s=29
